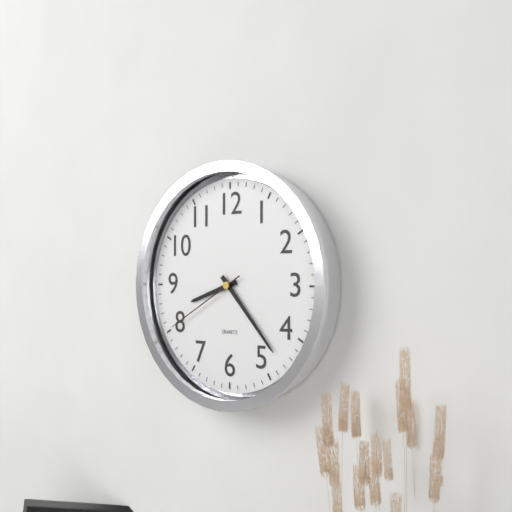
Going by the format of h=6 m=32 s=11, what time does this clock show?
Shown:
h=8 m=23 s=40
